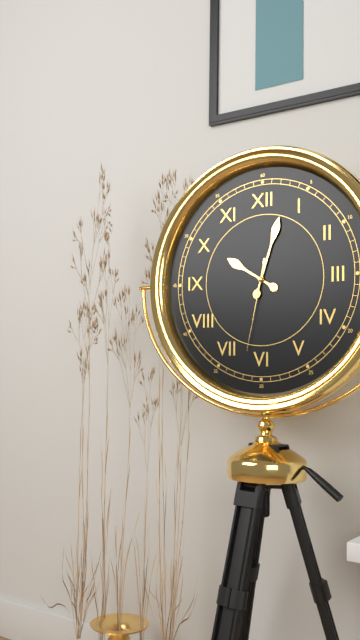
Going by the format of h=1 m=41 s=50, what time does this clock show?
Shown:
h=10 m=3 s=32
